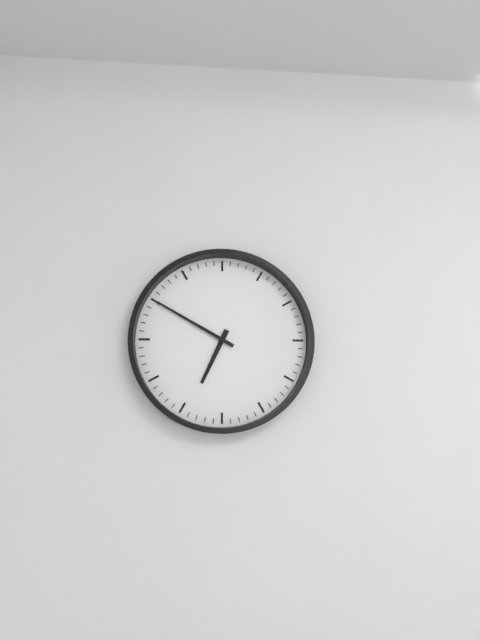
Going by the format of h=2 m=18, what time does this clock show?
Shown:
h=6 m=50
